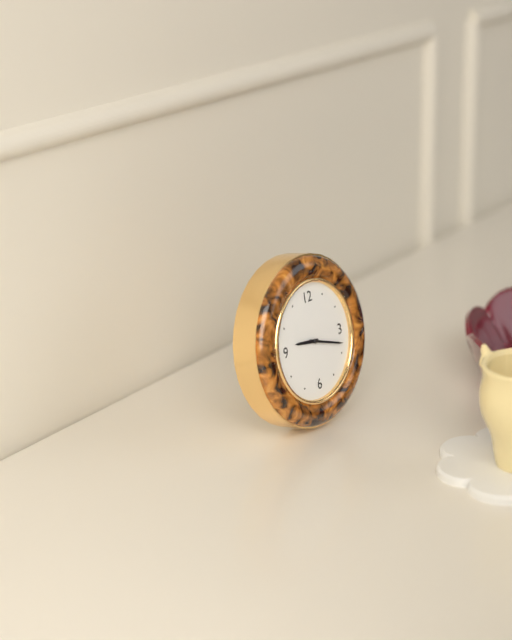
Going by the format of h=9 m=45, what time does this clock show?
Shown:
h=9 m=18
